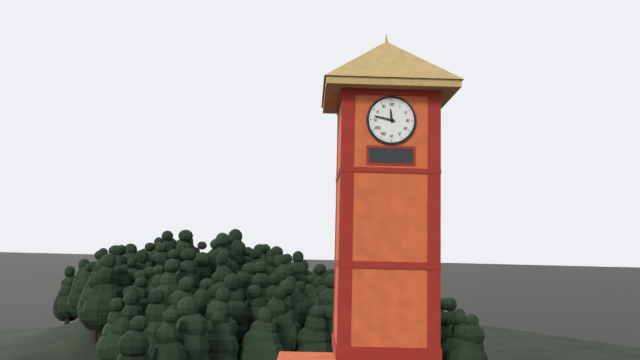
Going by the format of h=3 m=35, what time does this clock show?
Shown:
h=11 m=47
